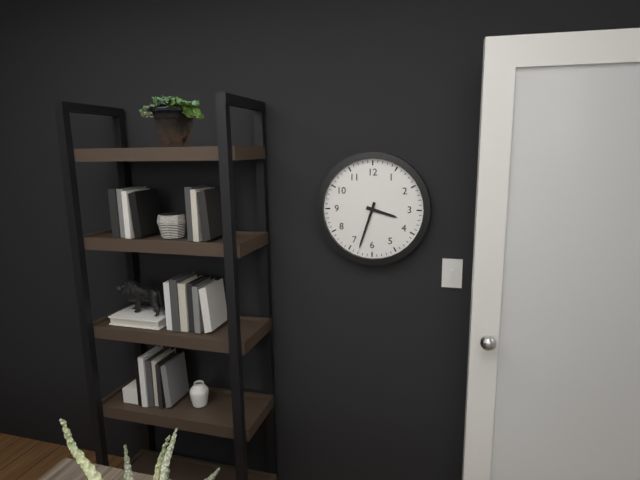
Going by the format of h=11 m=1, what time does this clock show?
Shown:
h=3 m=33
